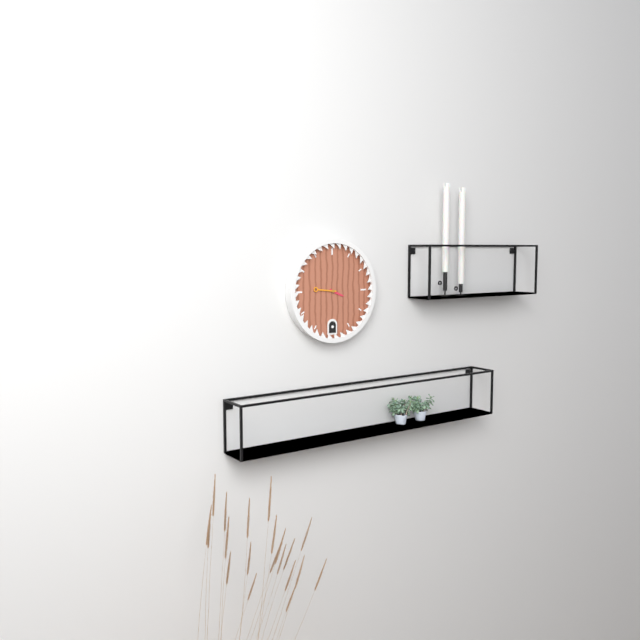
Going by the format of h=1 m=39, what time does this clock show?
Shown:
h=3 m=46
